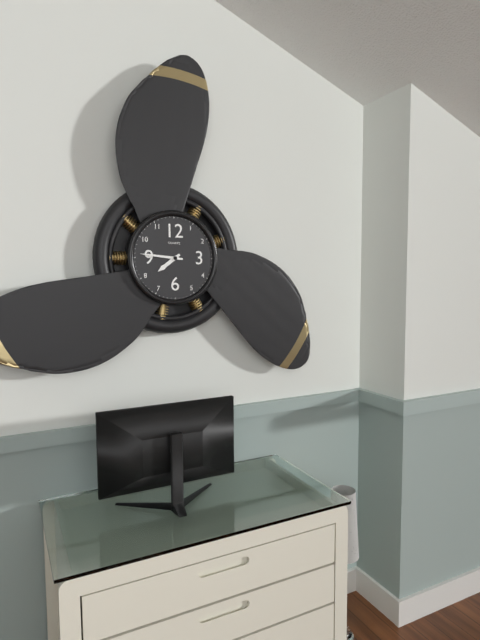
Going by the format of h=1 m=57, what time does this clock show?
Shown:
h=7 m=46
